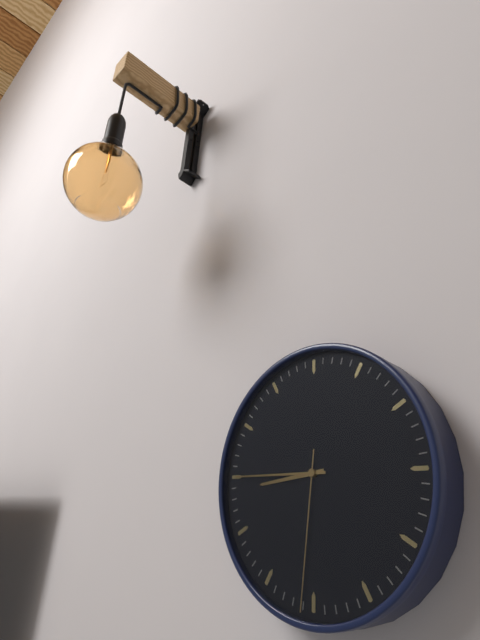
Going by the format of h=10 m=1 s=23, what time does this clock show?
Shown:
h=8 m=45 s=31
